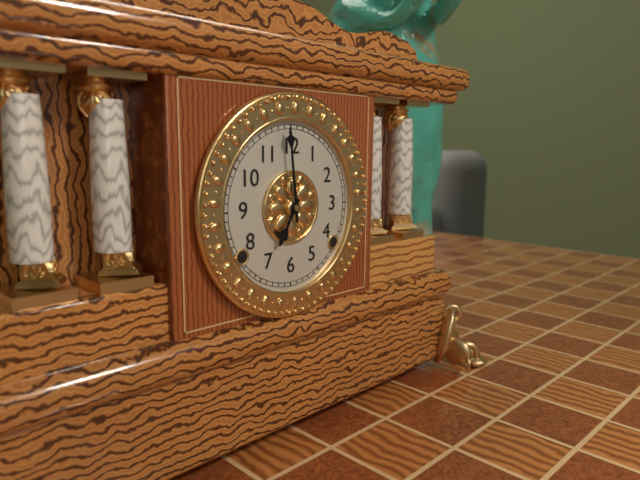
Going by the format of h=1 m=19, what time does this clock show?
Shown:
h=6 m=59
